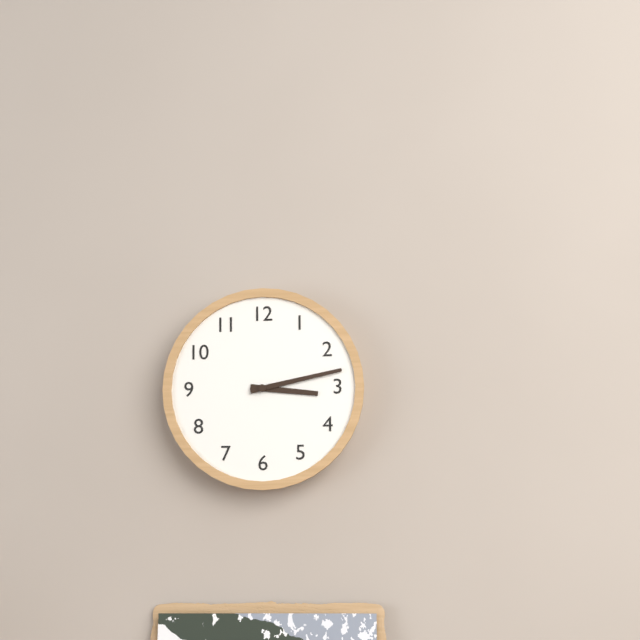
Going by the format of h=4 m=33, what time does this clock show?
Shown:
h=3 m=13
